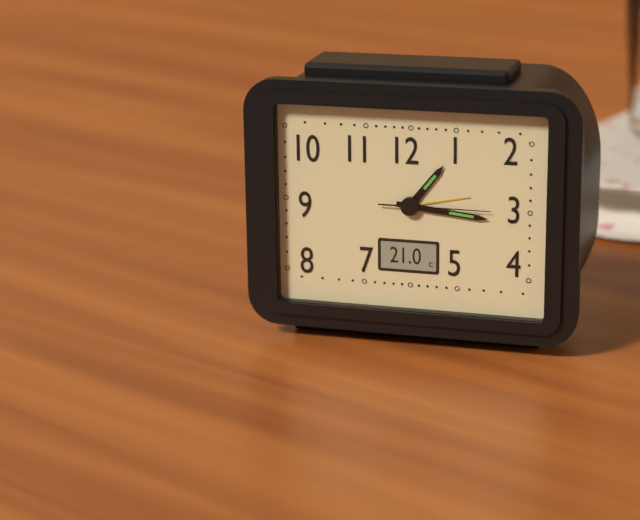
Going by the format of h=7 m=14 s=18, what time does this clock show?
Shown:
h=1 m=16 s=15
